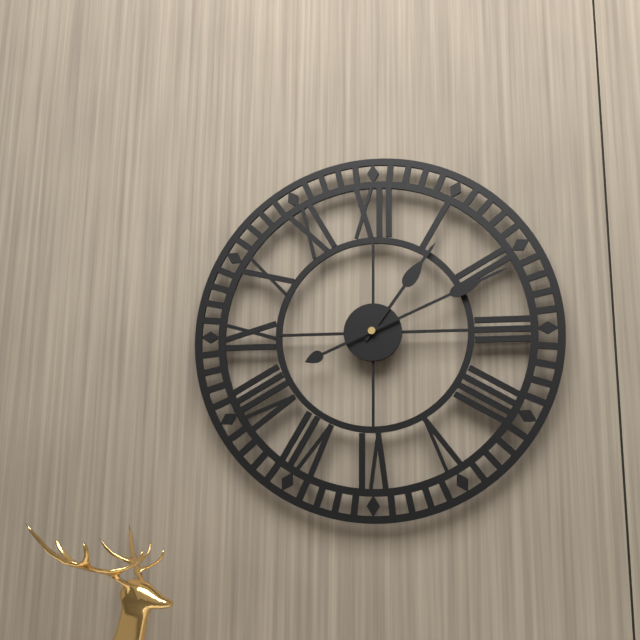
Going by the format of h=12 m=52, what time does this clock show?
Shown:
h=1 m=11
